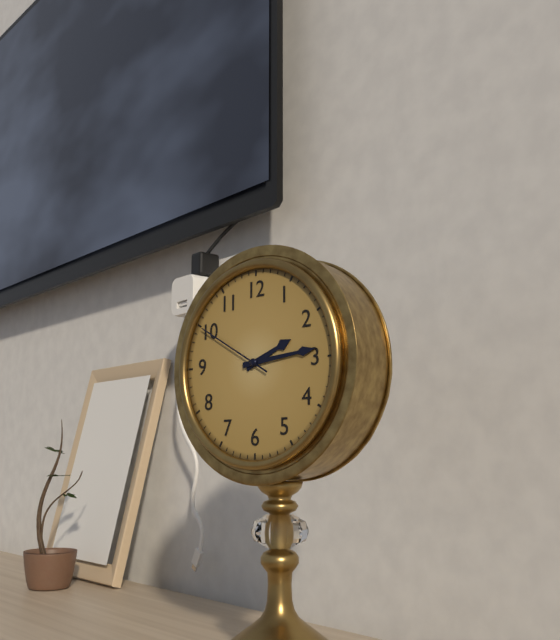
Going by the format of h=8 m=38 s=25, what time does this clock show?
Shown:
h=2 m=14 s=50
